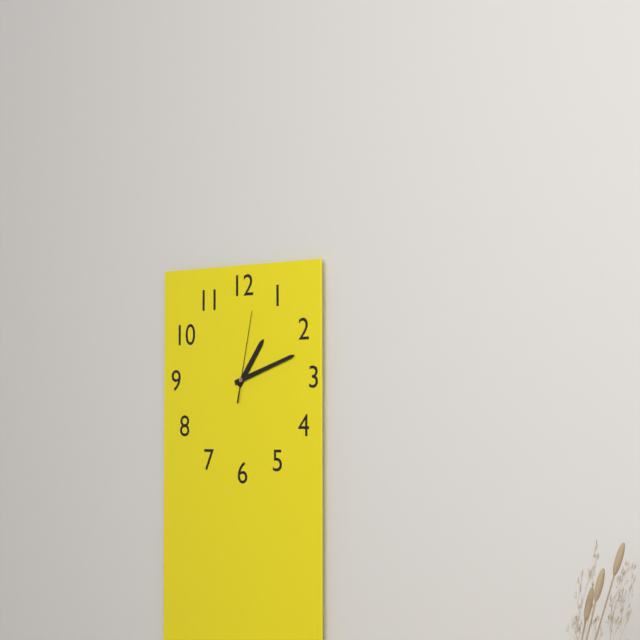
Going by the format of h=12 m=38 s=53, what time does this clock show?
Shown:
h=1 m=12 s=2
